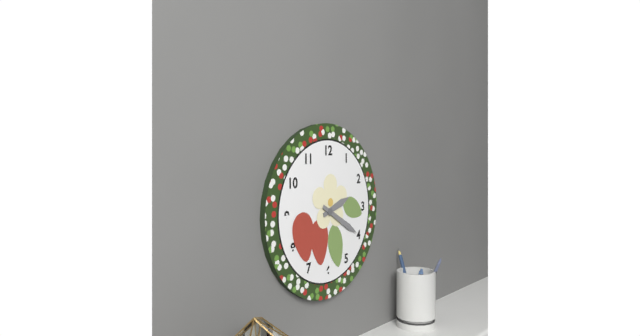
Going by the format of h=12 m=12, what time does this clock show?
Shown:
h=2 m=20
